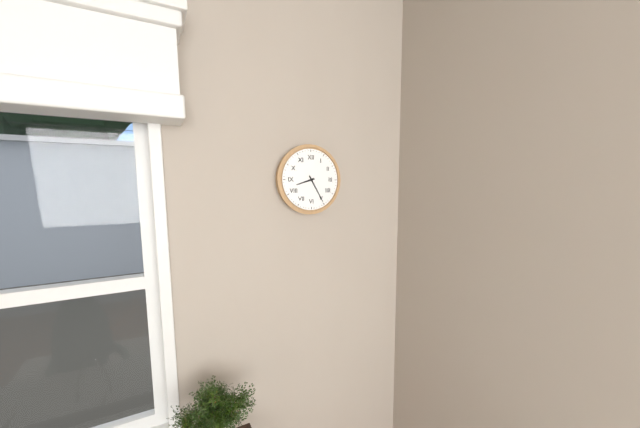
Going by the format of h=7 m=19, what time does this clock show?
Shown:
h=8 m=25
